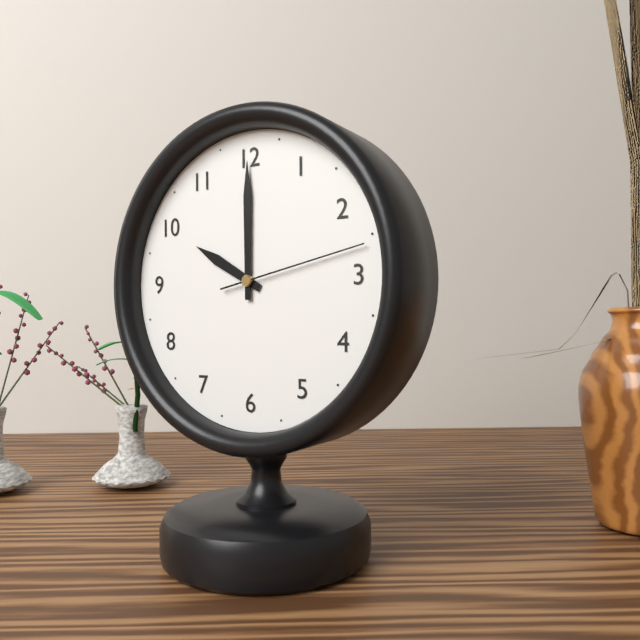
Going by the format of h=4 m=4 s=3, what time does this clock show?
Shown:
h=10 m=0 s=13
